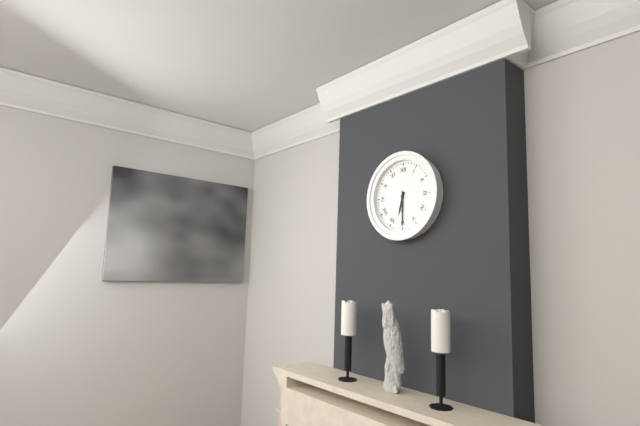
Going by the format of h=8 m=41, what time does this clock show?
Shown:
h=6 m=30
